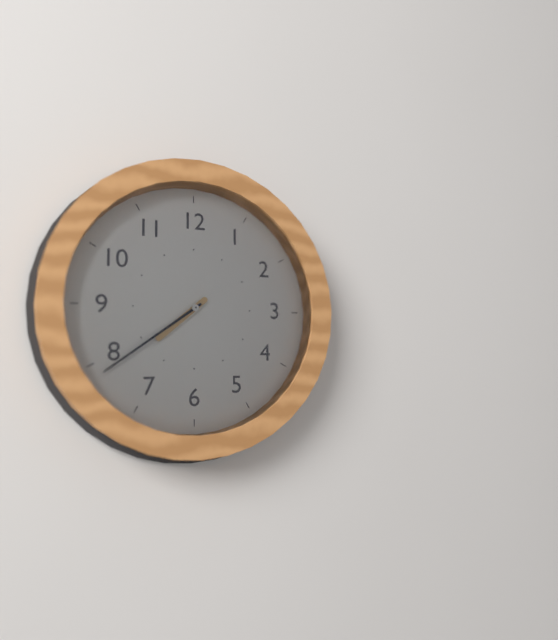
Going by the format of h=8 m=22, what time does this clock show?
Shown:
h=7 m=39
